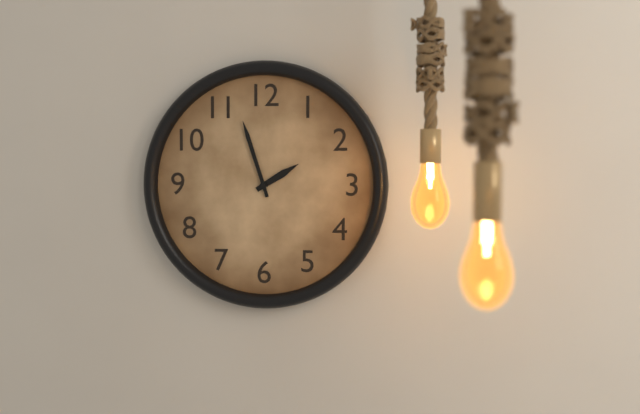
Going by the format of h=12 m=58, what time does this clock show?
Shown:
h=1 m=57
